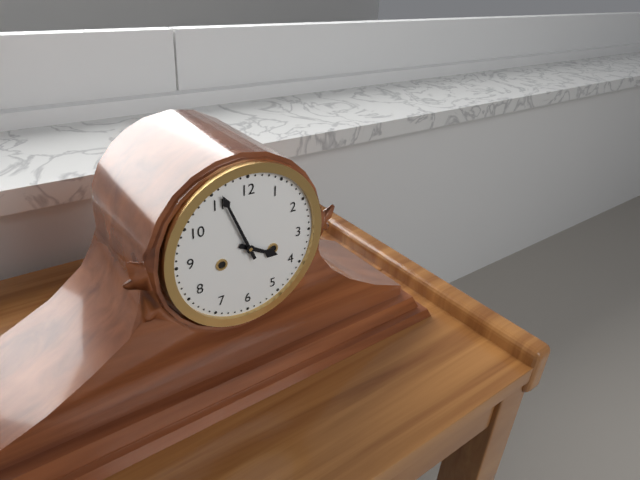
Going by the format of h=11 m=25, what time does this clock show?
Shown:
h=3 m=56
